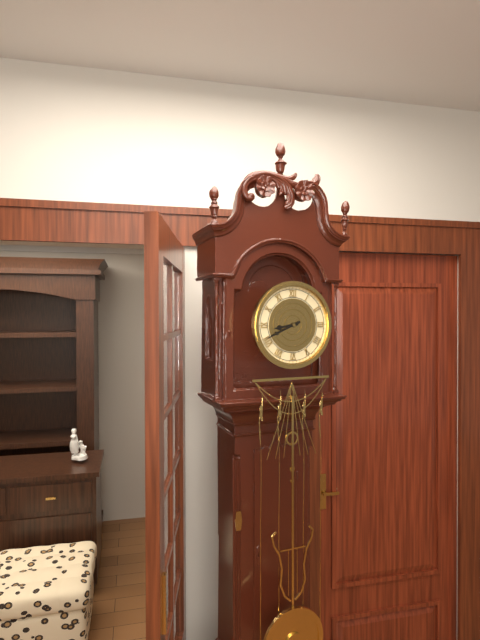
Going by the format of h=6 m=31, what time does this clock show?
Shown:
h=8 m=41
